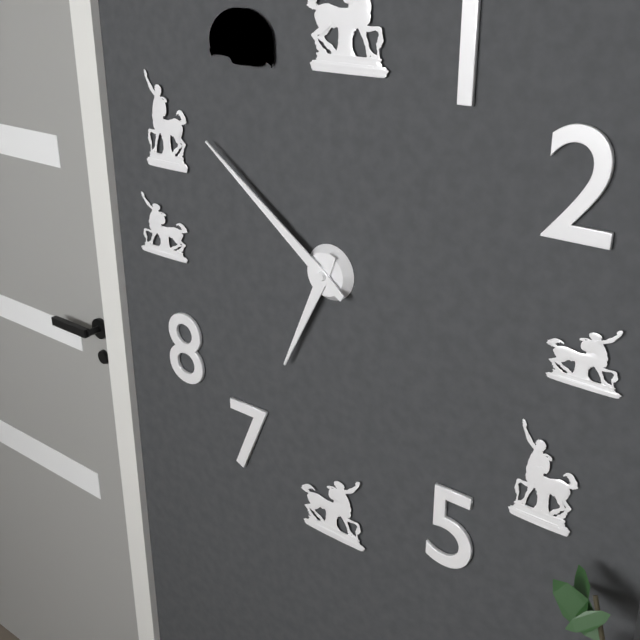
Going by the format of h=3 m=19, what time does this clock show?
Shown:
h=6 m=51
